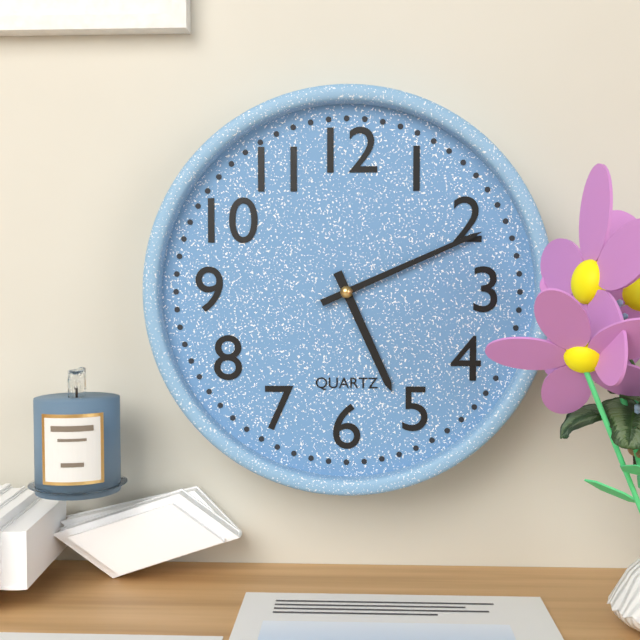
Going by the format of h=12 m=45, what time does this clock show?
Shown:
h=5 m=11
